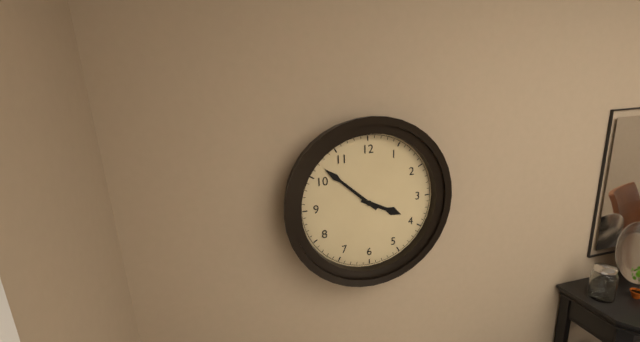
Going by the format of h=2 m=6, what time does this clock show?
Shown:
h=3 m=52
